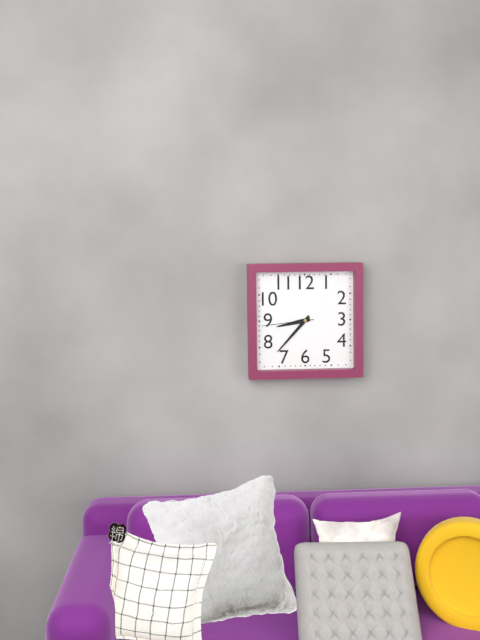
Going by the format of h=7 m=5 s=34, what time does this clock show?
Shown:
h=8 m=37 s=44
